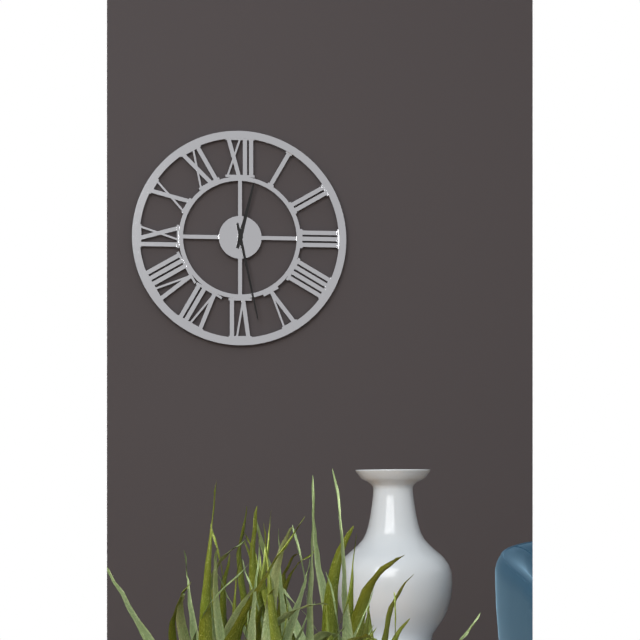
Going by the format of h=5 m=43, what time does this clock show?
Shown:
h=12 m=28
